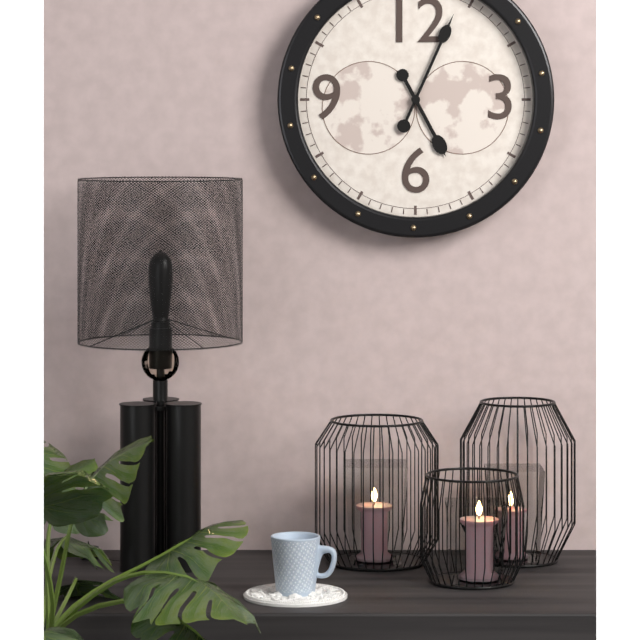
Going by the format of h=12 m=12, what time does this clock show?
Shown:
h=5 m=4
